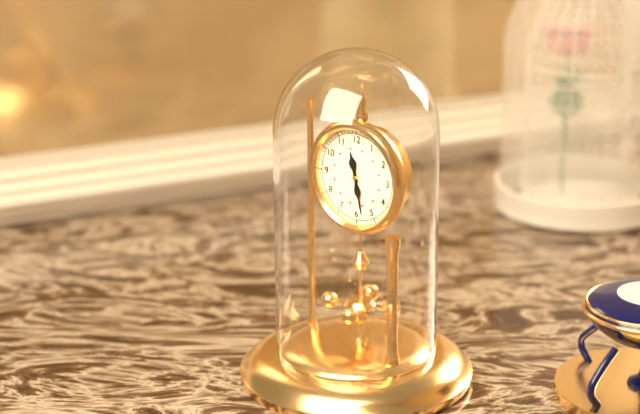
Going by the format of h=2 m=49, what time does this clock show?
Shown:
h=11 m=28
